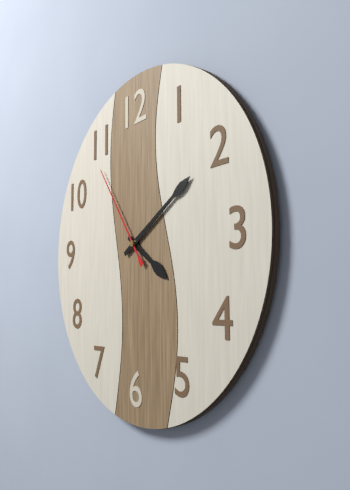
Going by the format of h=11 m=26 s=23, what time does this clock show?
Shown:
h=4 m=10 s=54
